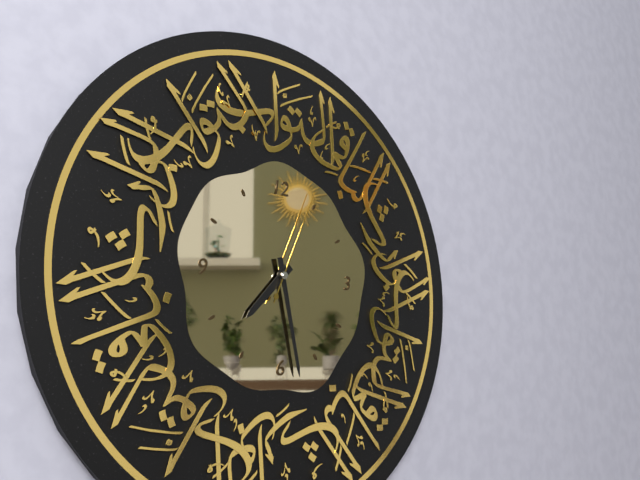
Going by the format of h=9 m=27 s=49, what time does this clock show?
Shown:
h=7 m=28 s=4
